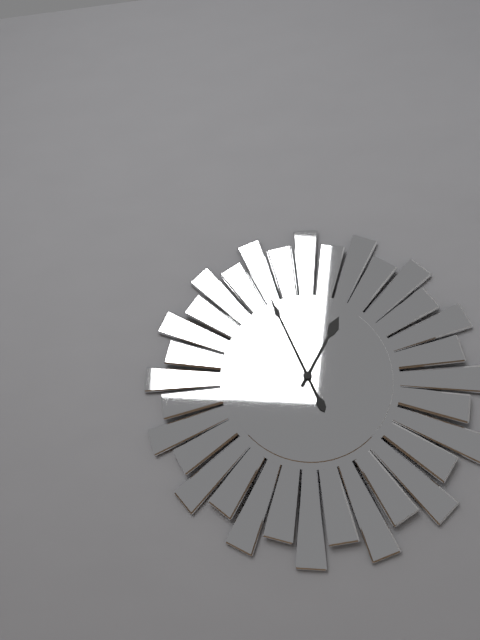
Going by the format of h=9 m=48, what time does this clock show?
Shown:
h=12 m=56
